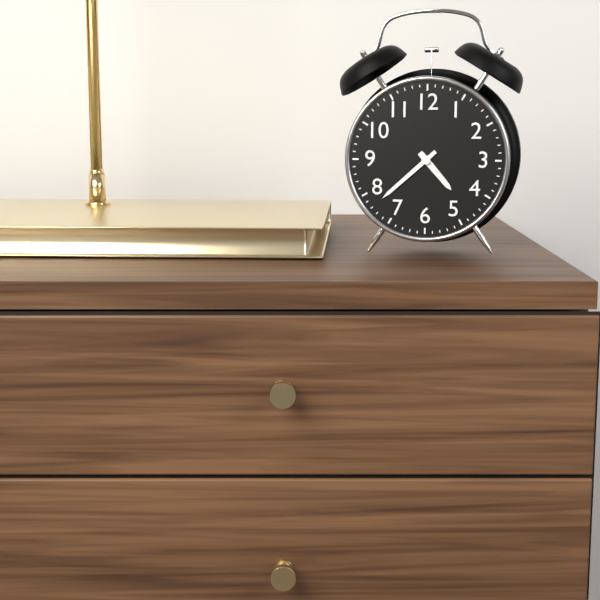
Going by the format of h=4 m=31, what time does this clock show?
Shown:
h=4 m=38
